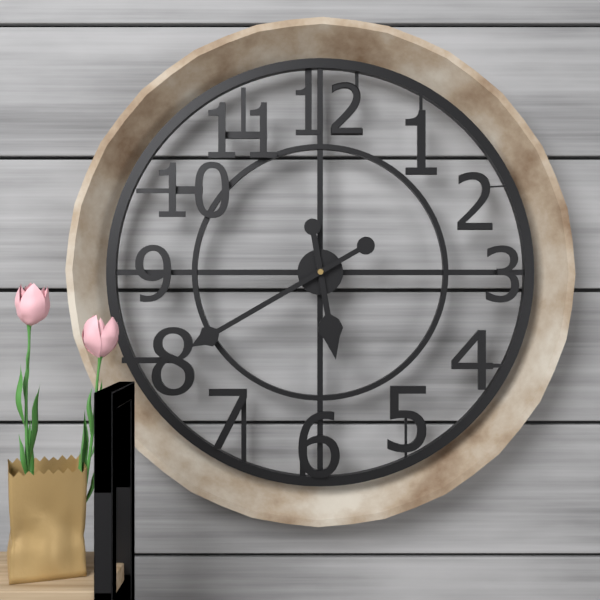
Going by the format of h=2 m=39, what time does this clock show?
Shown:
h=5 m=40
